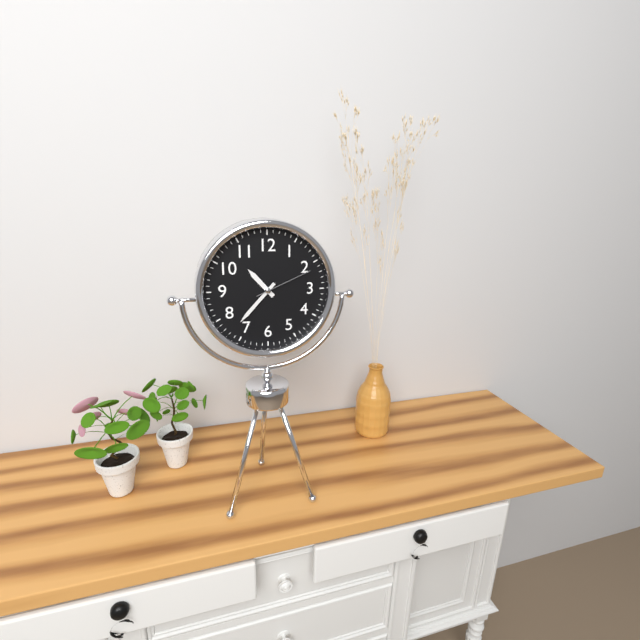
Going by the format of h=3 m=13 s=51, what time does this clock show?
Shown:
h=10 m=37 s=11
